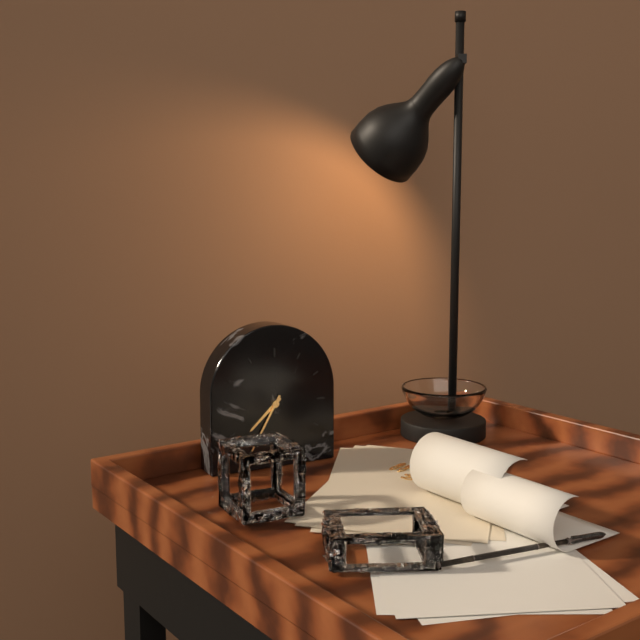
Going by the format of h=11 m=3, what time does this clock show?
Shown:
h=7 m=35
